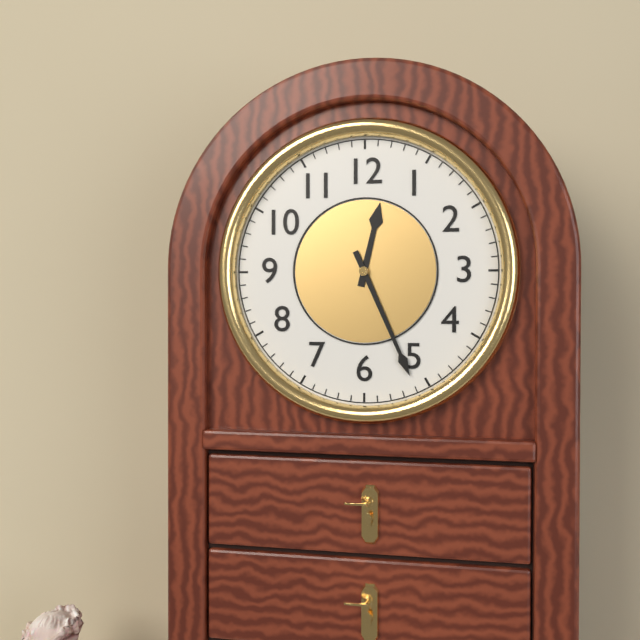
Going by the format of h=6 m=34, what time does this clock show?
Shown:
h=12 m=26
